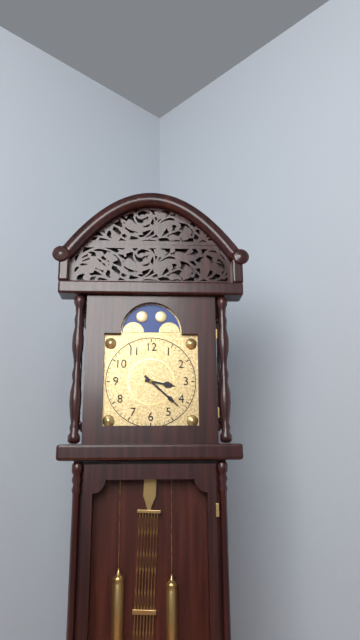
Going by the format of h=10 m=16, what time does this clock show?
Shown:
h=3 m=22
